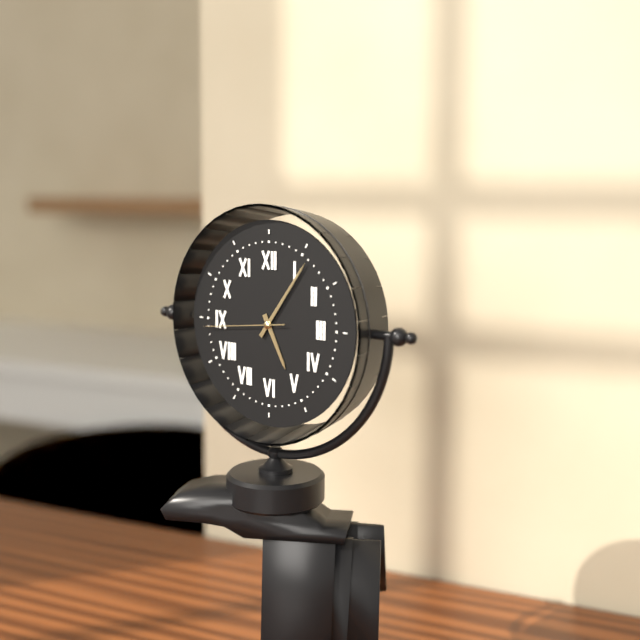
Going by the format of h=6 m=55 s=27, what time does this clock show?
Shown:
h=5 m=6 s=44
